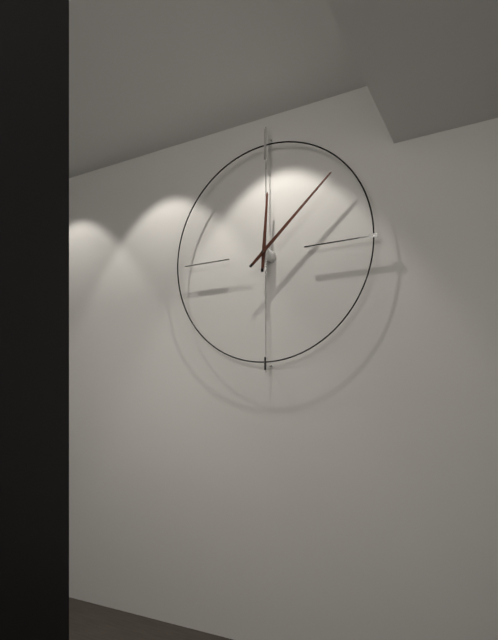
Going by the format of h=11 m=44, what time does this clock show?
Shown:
h=12 m=8
